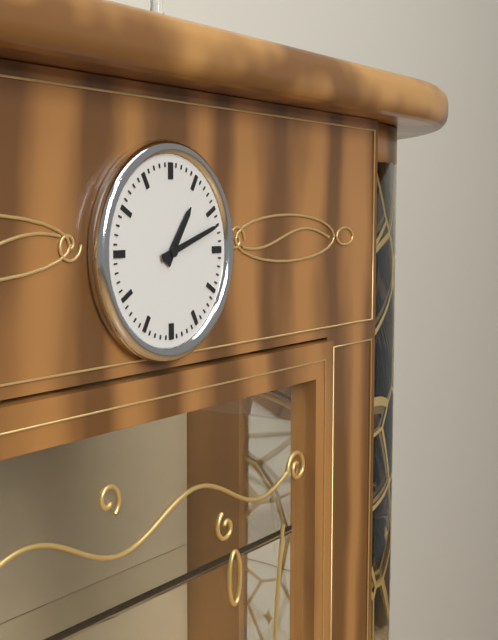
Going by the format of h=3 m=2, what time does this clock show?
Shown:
h=1 m=12
